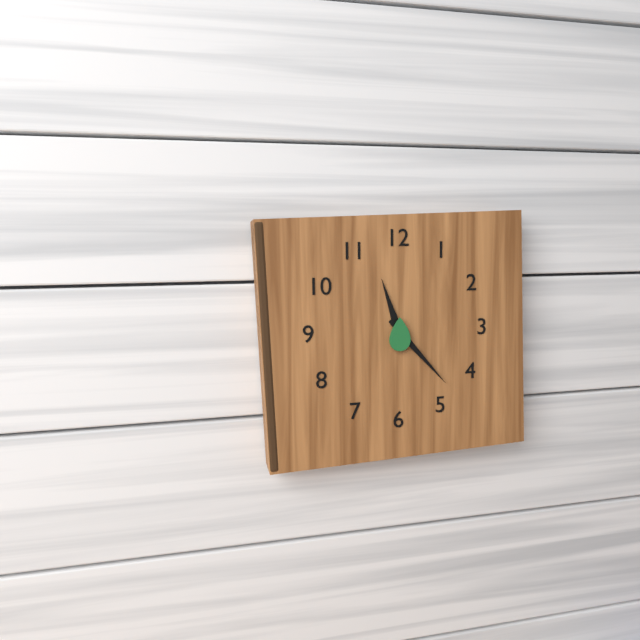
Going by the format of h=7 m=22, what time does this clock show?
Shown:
h=11 m=23
